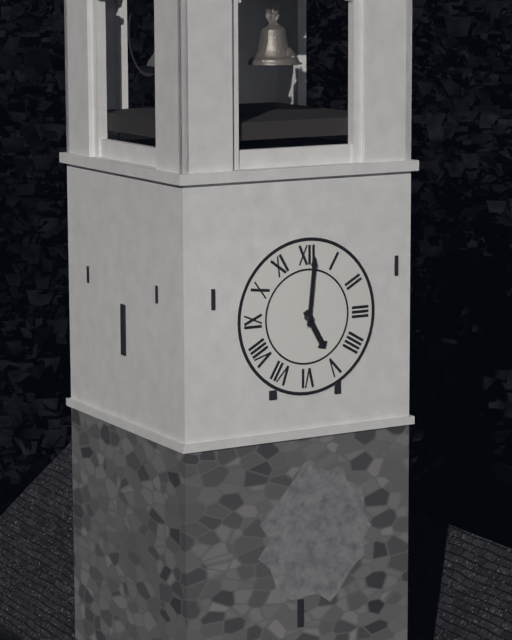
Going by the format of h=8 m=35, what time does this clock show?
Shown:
h=5 m=1
